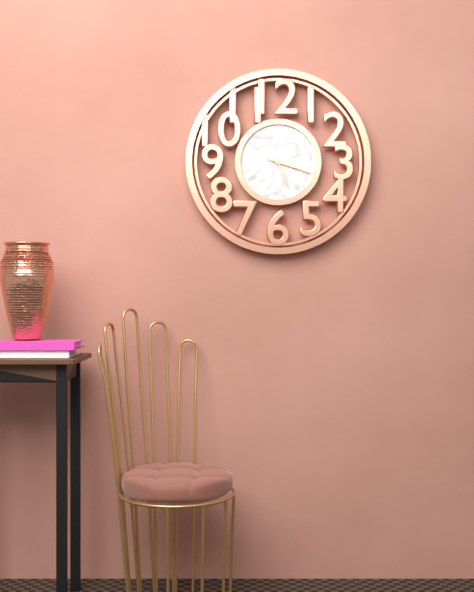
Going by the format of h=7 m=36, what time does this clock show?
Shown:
h=5 m=18
